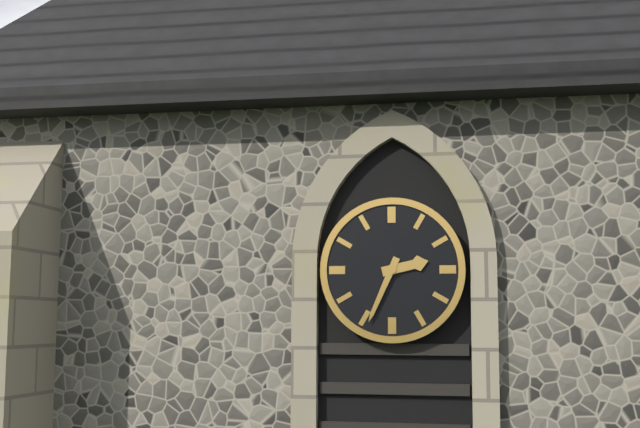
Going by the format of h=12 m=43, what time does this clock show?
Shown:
h=2 m=34
